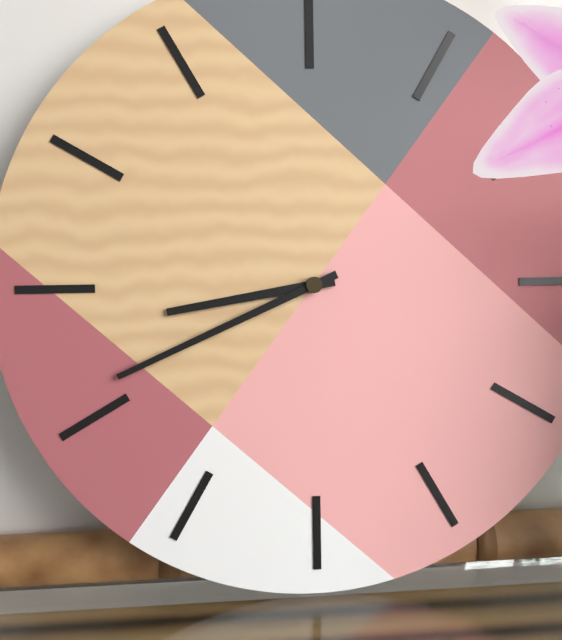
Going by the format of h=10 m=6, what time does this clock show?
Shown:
h=8 m=41
